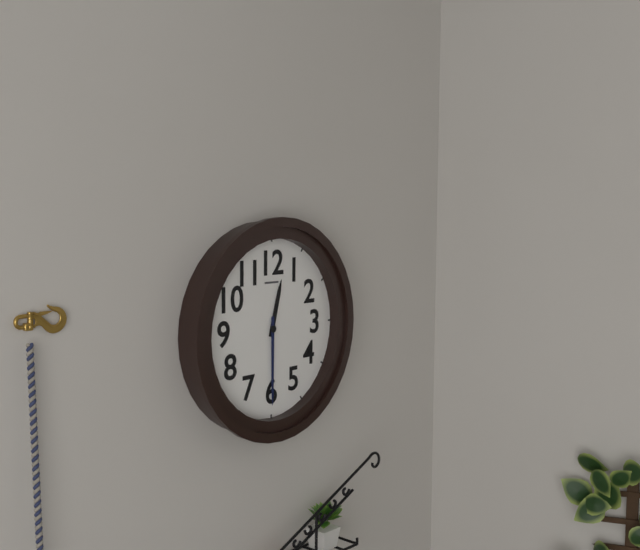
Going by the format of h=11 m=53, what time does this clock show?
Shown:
h=12 m=30
